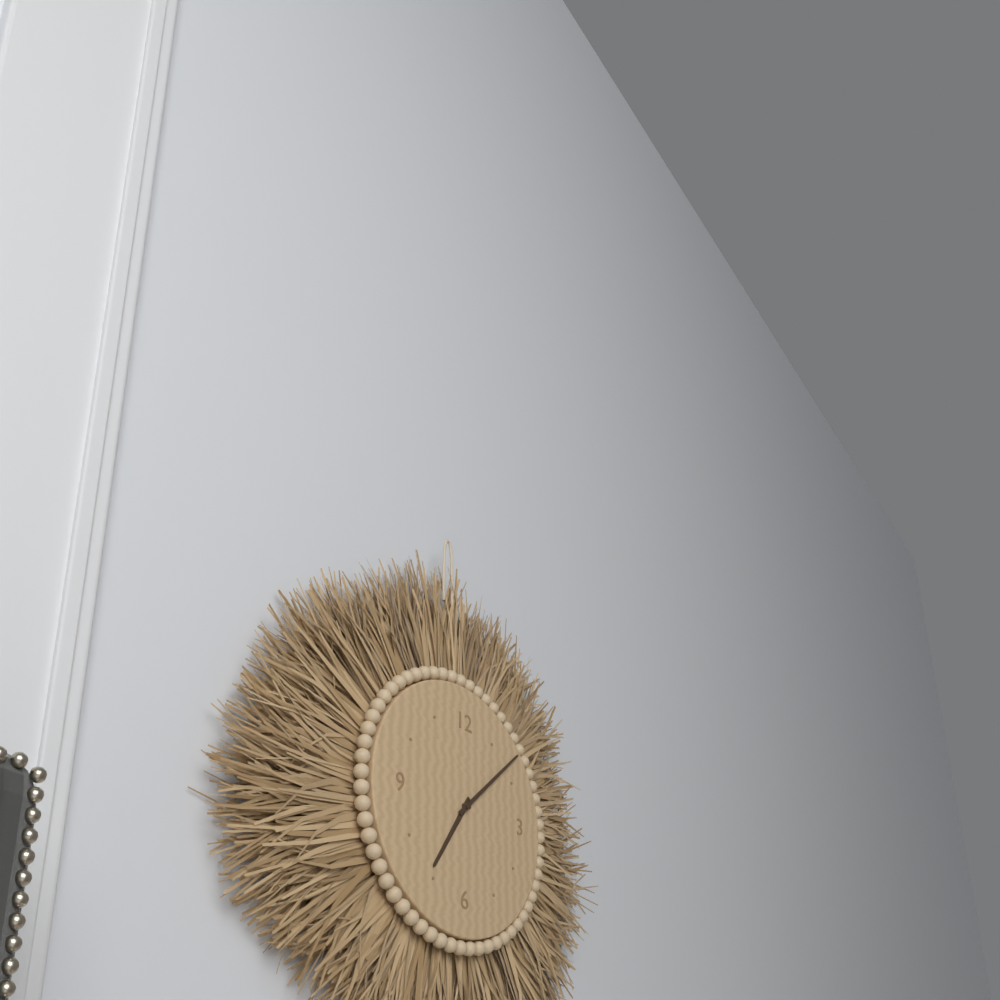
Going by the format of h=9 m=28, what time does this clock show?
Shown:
h=7 m=8
